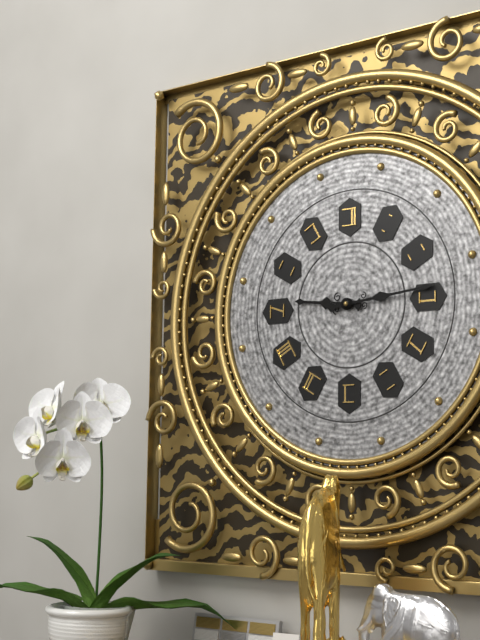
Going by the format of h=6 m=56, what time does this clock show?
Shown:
h=9 m=14
